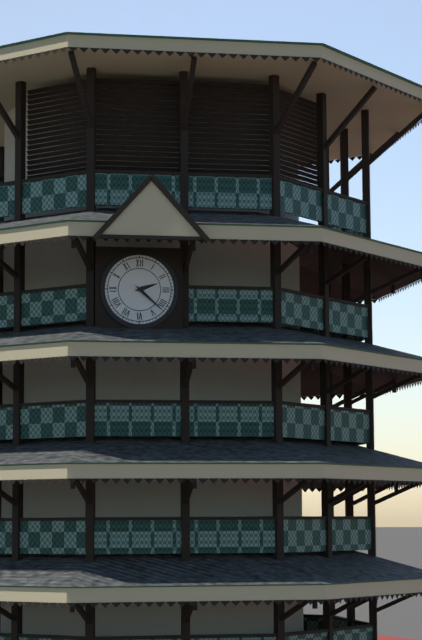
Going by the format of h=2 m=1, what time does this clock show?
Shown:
h=2 m=22
